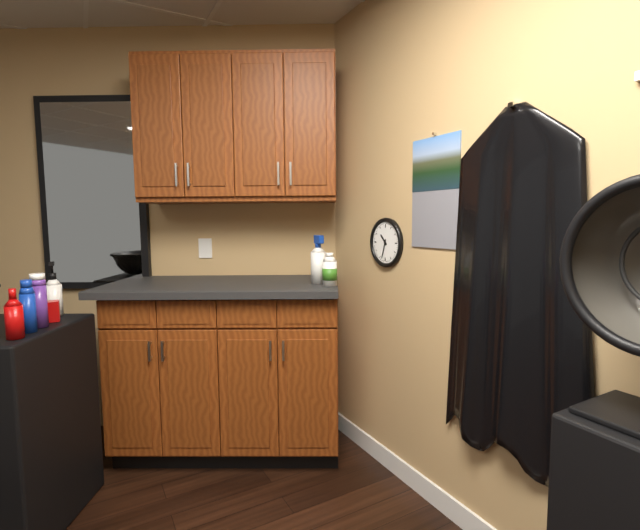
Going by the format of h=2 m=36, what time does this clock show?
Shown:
h=10 m=33
